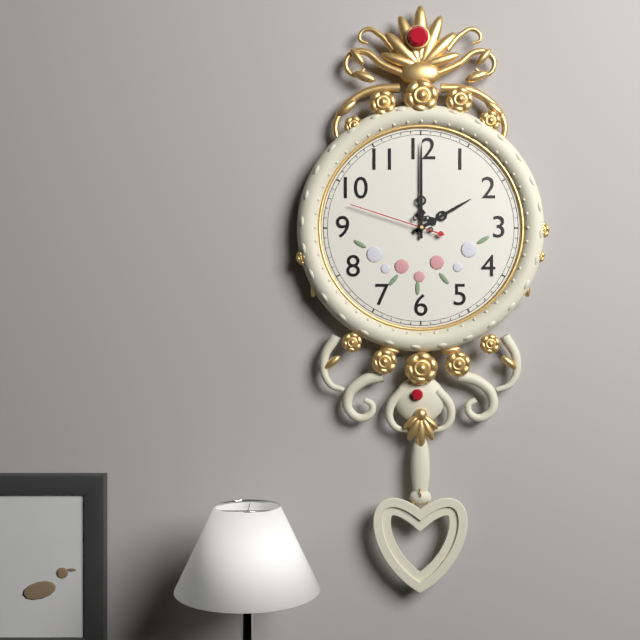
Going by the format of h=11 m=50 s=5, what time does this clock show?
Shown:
h=2 m=0 s=48
